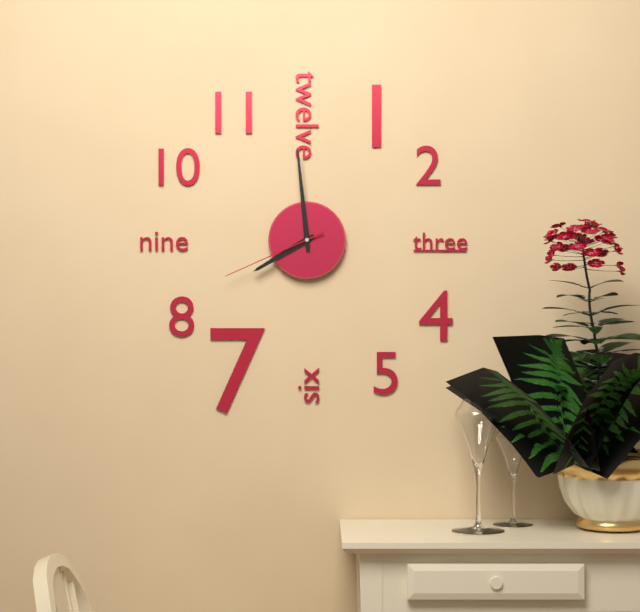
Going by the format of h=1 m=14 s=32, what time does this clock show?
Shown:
h=7 m=59 s=41
